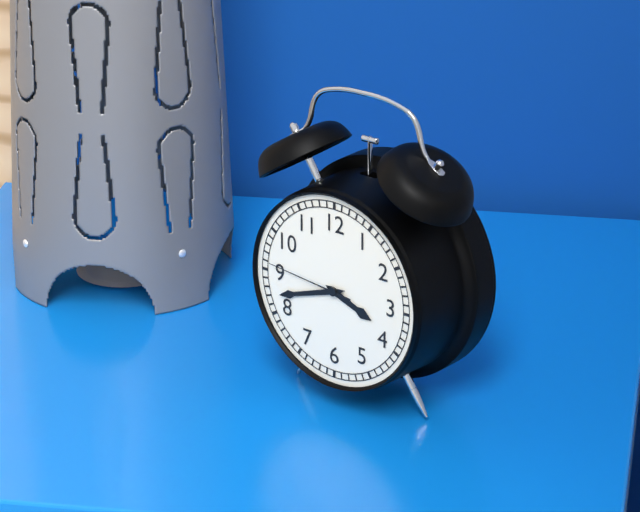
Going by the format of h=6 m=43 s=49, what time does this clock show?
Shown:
h=3 m=42 s=46
